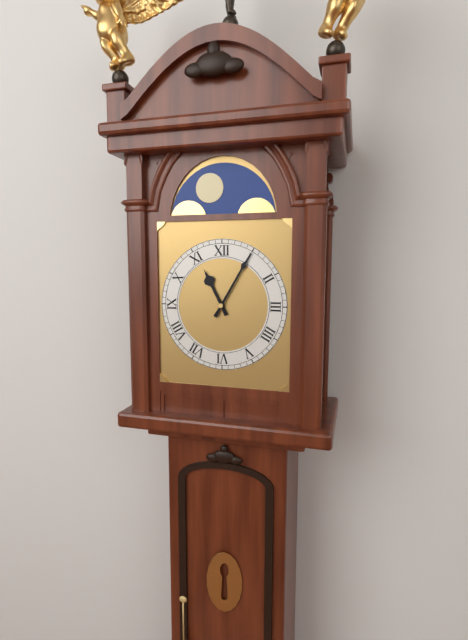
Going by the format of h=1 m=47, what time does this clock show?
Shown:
h=11 m=5
